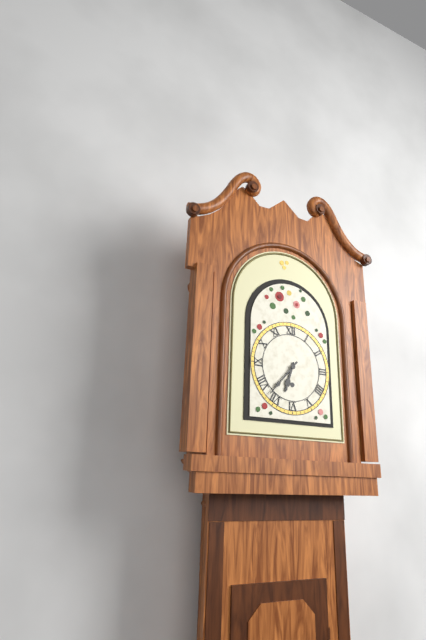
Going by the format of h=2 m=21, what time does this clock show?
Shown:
h=6 m=37
